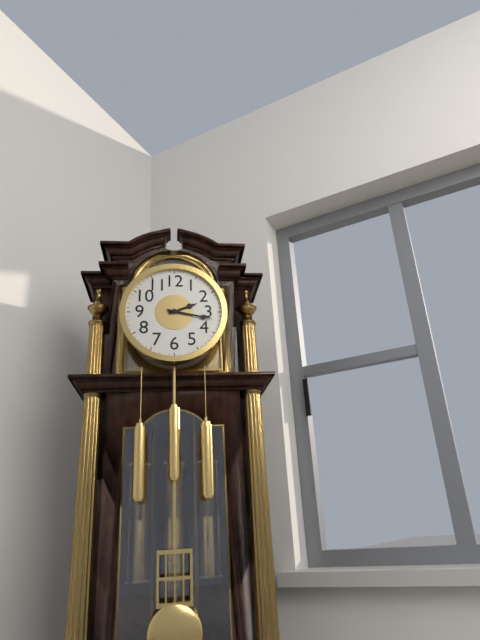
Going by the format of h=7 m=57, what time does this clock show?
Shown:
h=2 m=17
